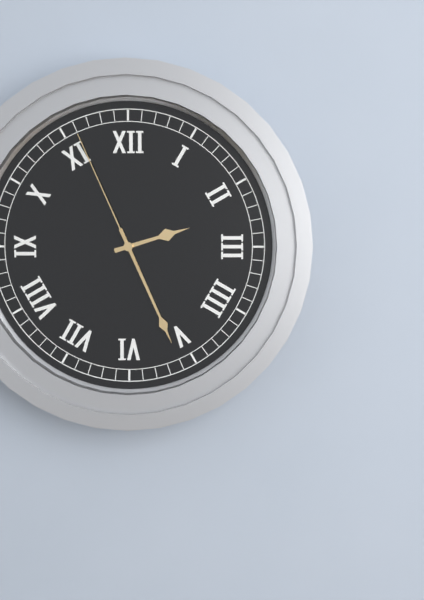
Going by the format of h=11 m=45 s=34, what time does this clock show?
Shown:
h=2 m=26 s=56
